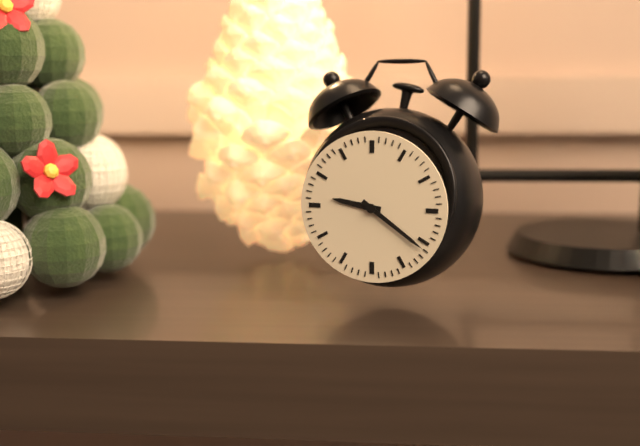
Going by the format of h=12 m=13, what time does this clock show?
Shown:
h=9 m=21
